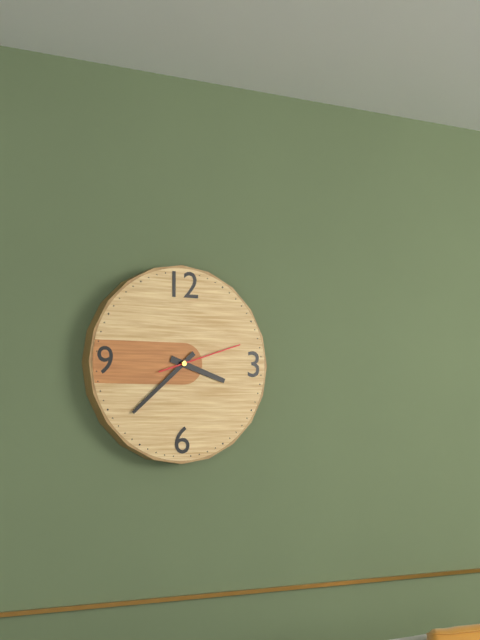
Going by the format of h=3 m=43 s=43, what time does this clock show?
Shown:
h=3 m=38 s=12
